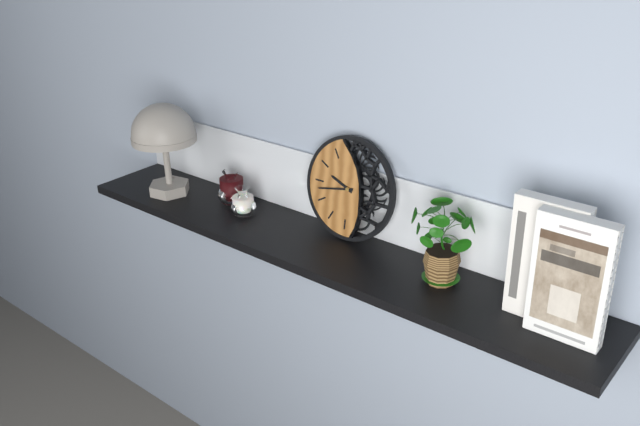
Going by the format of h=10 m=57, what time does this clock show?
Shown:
h=9 m=43
